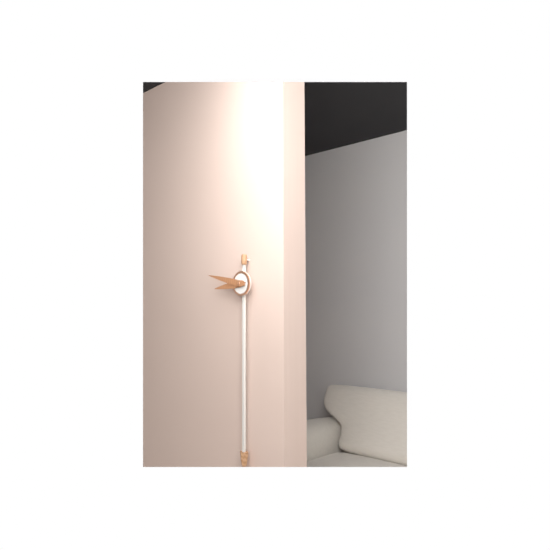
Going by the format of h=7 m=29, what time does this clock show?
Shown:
h=8 m=47
